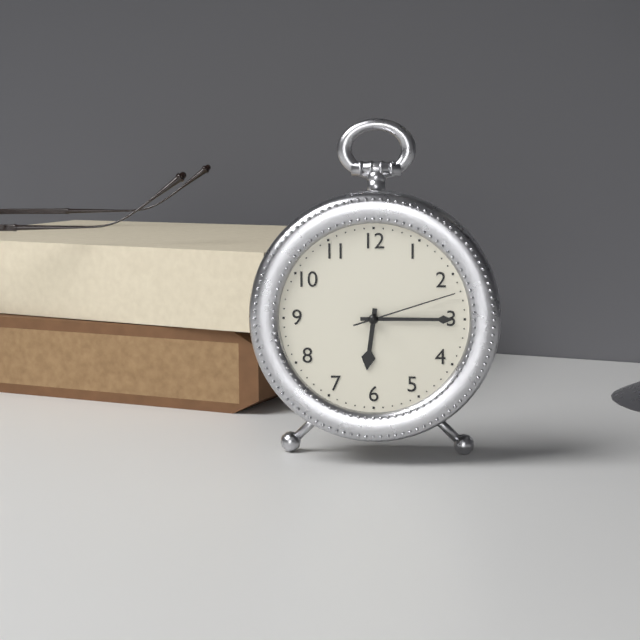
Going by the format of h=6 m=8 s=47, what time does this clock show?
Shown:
h=6 m=15 s=12
